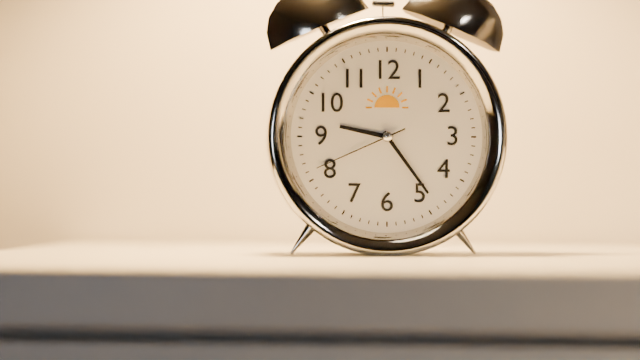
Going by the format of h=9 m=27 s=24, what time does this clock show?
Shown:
h=9 m=24 s=41
